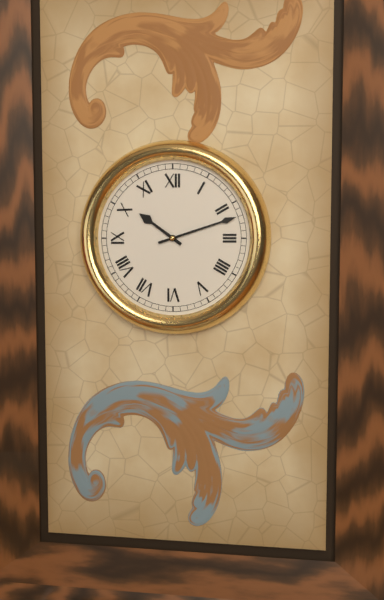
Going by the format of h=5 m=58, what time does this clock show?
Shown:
h=10 m=12
